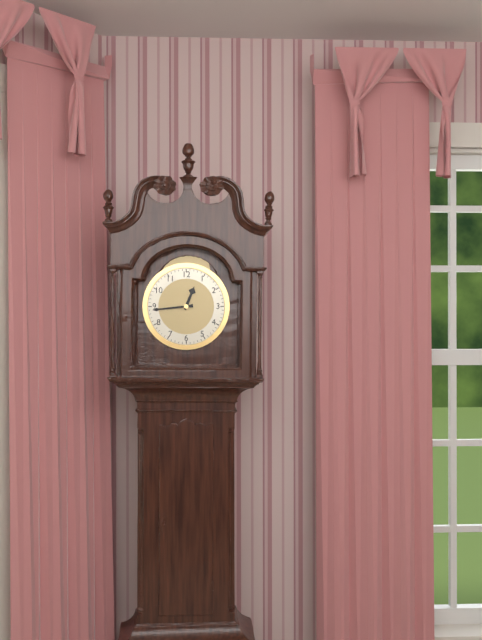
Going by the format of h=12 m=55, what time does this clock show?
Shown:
h=12 m=44
